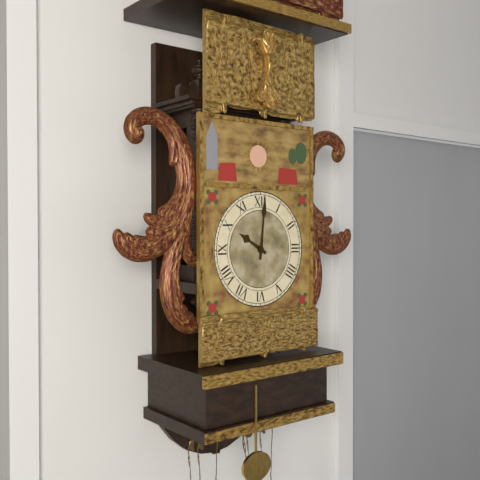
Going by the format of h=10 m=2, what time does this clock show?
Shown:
h=10 m=1
